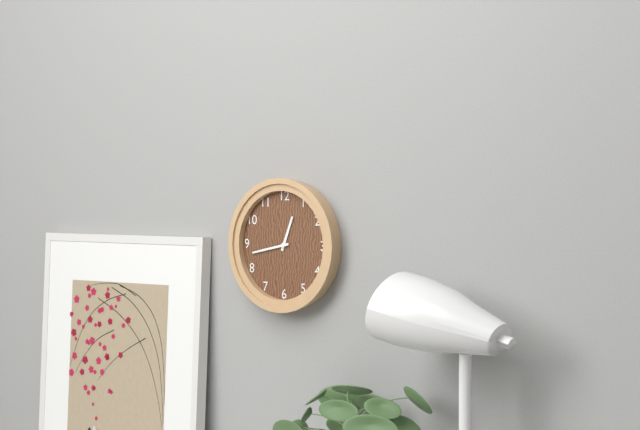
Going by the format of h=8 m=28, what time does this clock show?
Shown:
h=12 m=43
